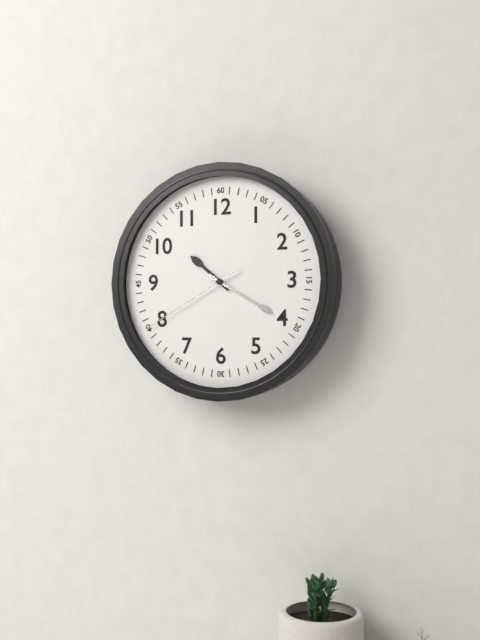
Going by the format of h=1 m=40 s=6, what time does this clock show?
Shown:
h=10 m=20 s=40
